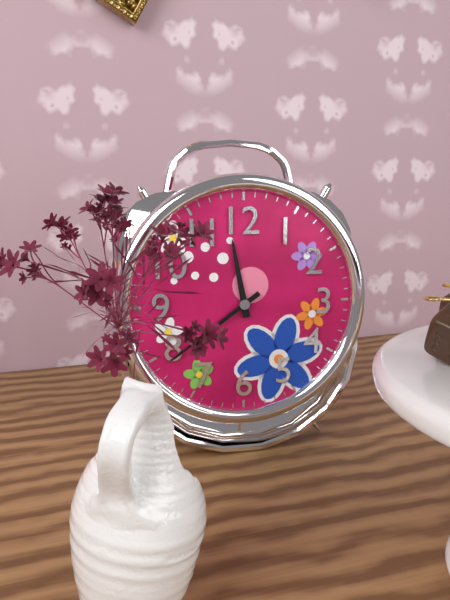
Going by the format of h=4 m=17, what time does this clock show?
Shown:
h=11 m=39
